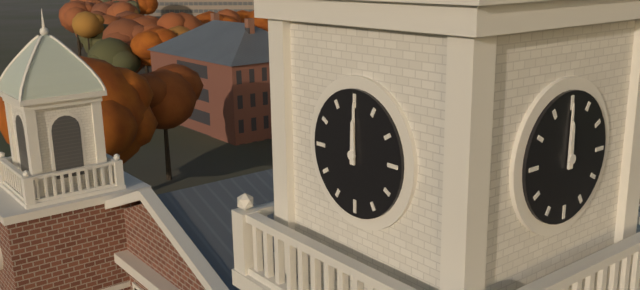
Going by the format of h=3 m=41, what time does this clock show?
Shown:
h=12 m=0
